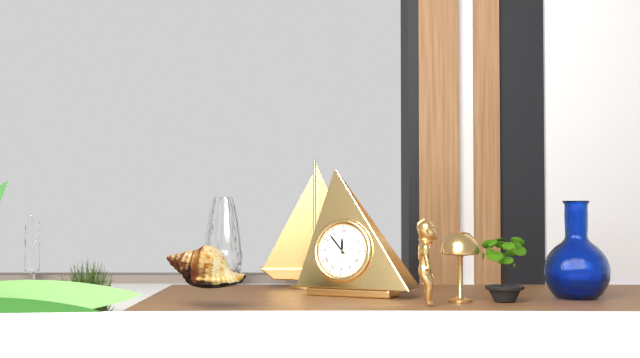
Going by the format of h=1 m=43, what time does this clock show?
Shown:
h=11 m=53
